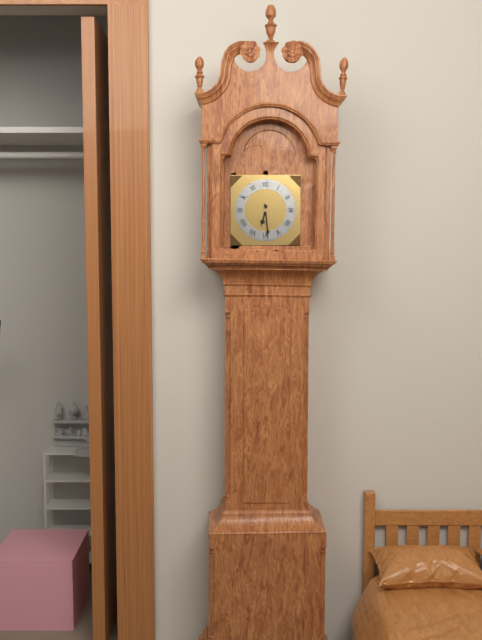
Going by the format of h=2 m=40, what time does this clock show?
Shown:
h=6 m=29
